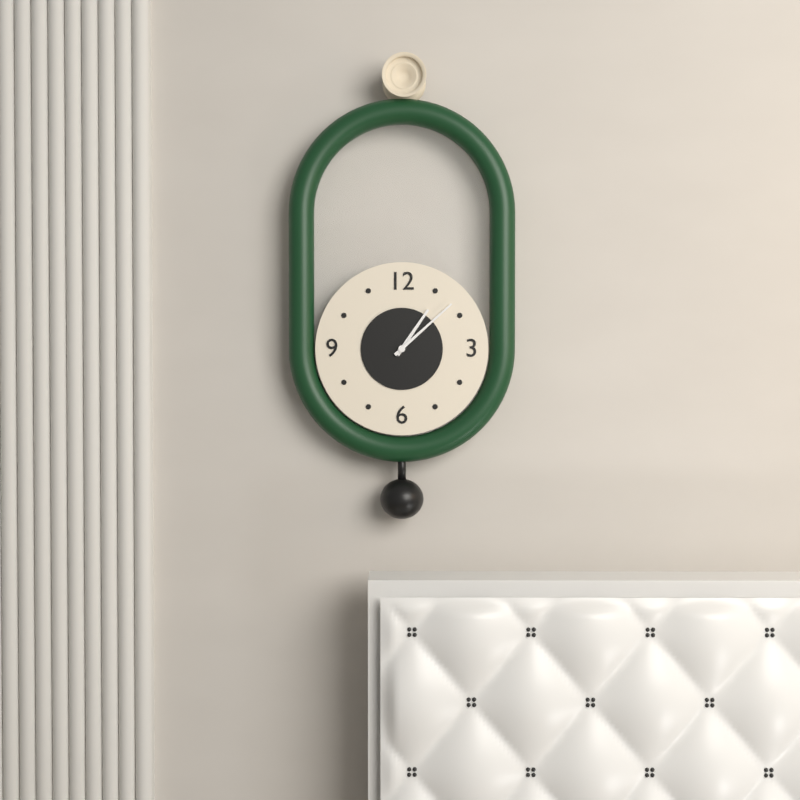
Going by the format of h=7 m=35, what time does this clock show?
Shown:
h=1 m=8
